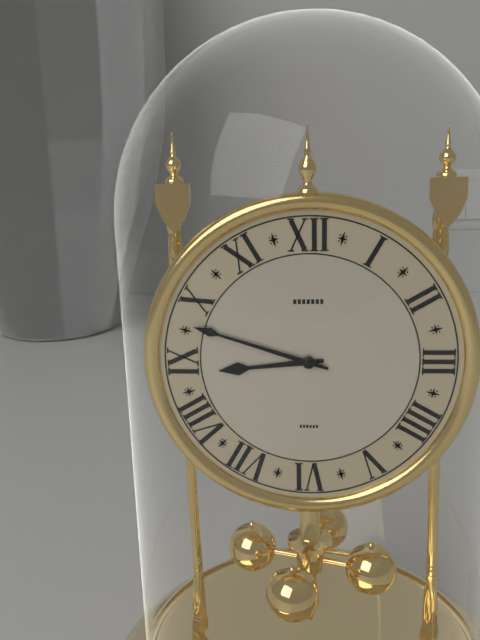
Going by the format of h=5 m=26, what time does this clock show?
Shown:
h=8 m=48
